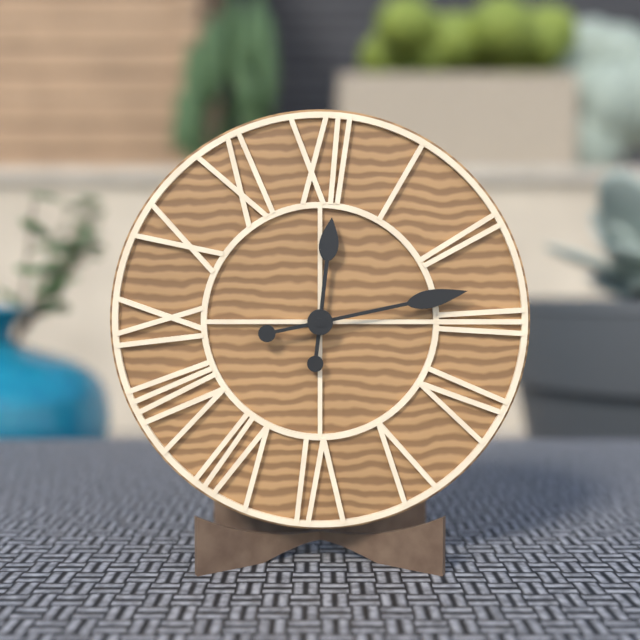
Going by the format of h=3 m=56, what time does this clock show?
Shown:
h=12 m=13
